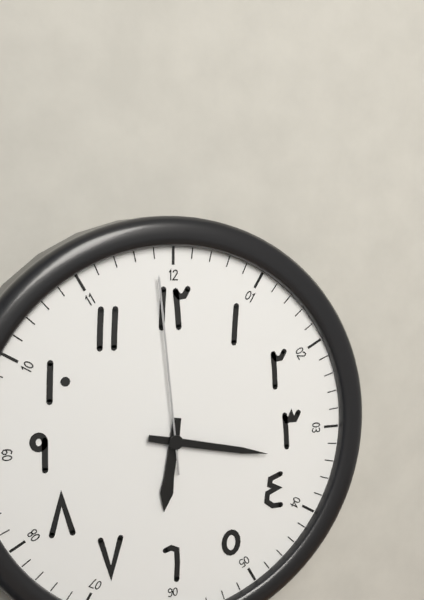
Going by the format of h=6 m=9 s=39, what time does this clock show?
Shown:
h=6 m=17 s=59
